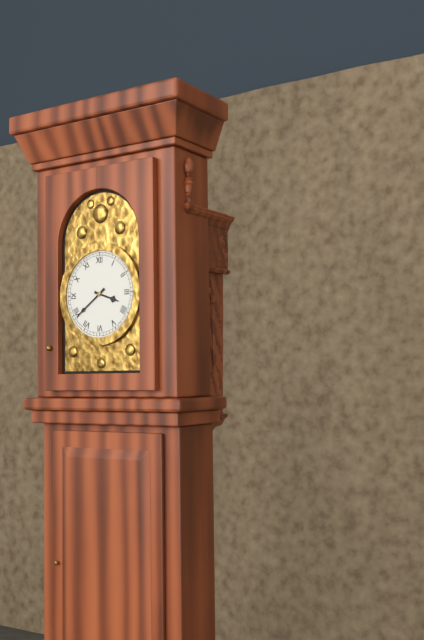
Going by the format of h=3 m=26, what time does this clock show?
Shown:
h=3 m=39
